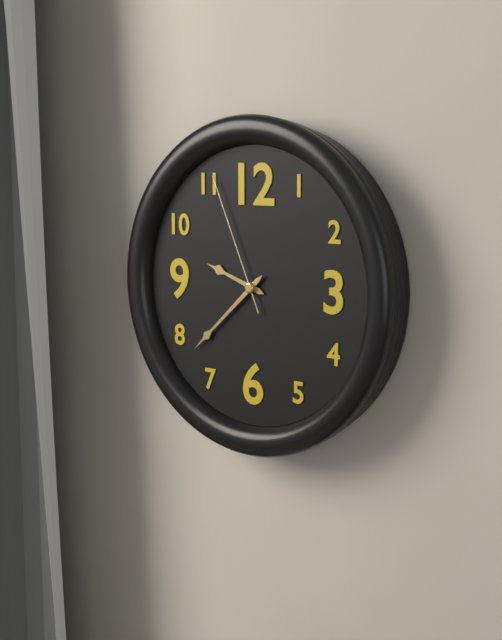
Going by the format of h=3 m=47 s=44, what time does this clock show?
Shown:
h=9 m=38 s=56
